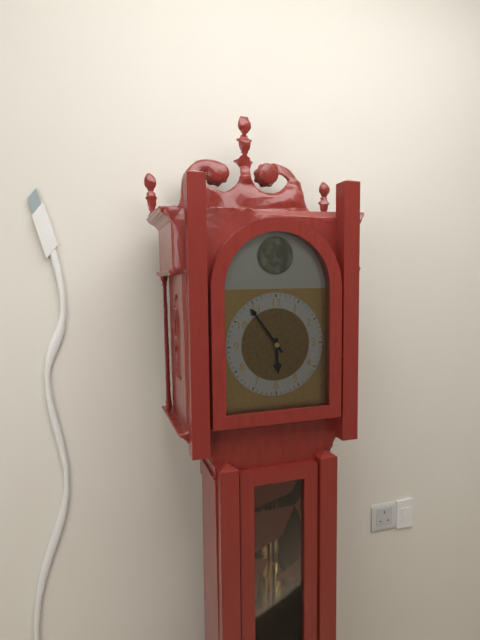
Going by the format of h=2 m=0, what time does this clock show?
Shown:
h=5 m=54
